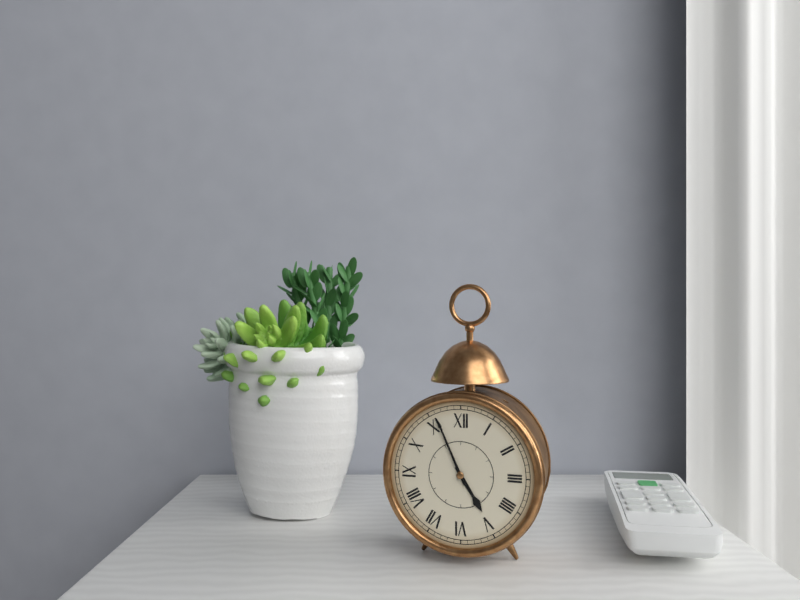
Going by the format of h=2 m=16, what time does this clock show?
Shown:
h=4 m=56
